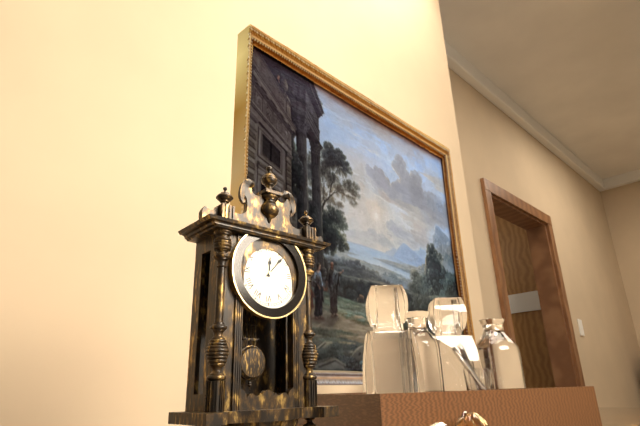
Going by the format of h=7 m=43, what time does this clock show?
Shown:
h=12 m=7
